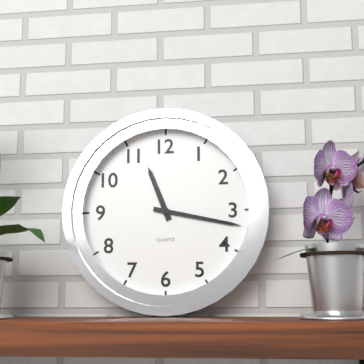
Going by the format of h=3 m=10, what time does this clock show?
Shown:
h=11 m=17
